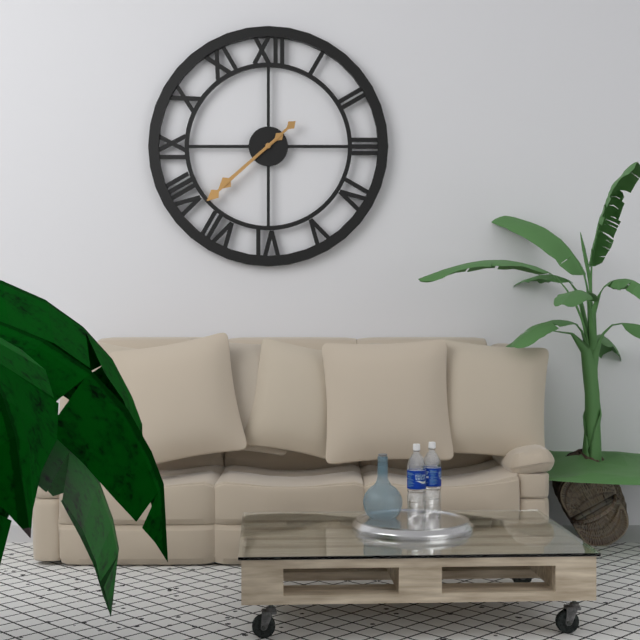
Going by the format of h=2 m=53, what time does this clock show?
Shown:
h=7 m=38
